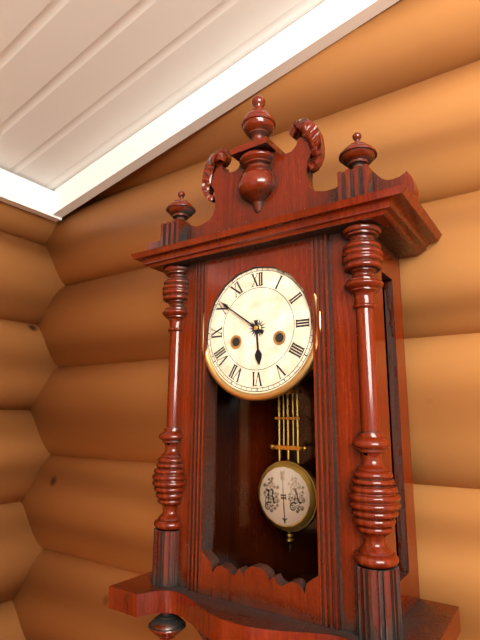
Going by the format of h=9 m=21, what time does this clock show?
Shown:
h=5 m=51
